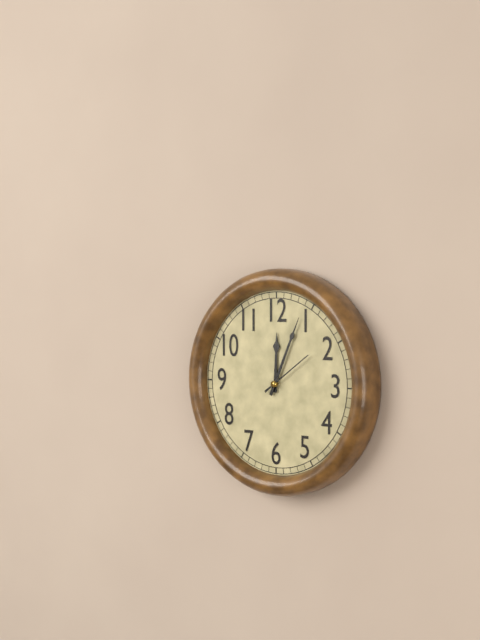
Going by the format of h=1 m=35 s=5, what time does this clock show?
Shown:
h=12 m=4 s=9
